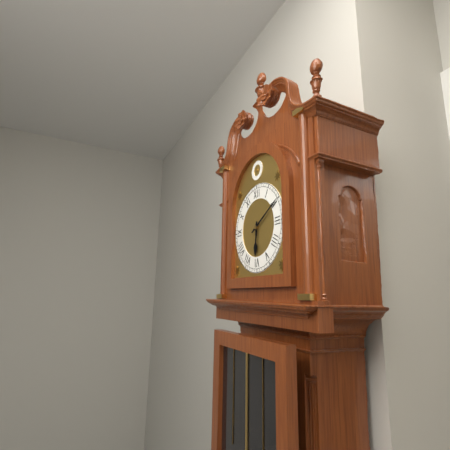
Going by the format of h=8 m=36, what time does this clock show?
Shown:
h=6 m=10
